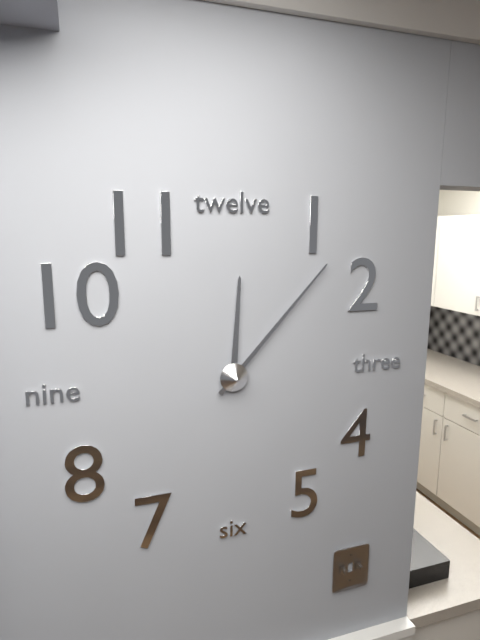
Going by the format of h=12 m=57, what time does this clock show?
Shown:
h=12 m=7
